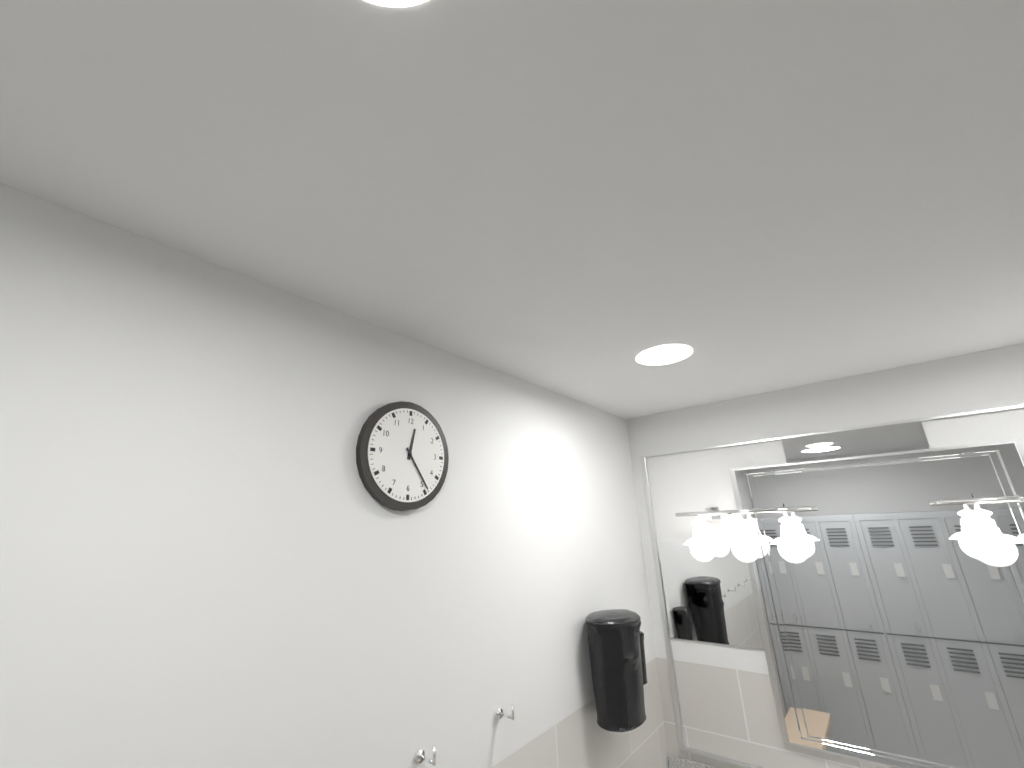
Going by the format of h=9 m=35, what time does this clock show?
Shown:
h=12 m=24
